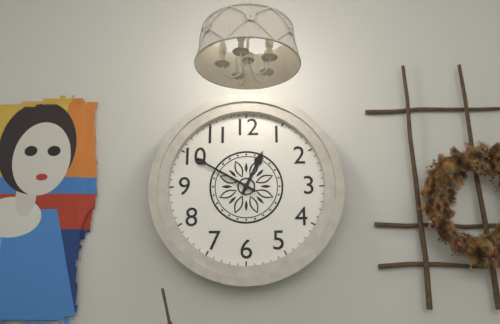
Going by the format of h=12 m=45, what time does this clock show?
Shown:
h=12 m=50
